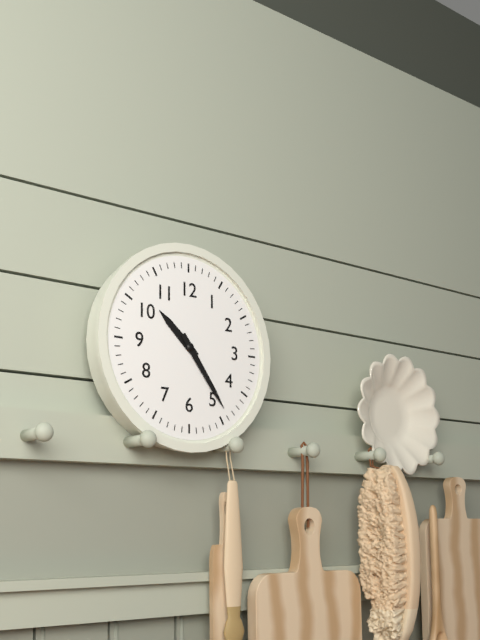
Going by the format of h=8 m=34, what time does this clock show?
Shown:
h=10 m=24
